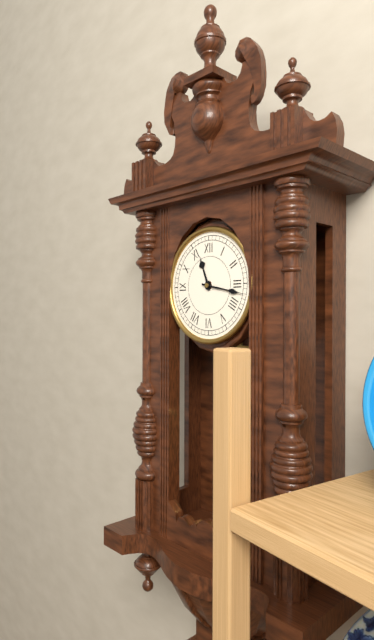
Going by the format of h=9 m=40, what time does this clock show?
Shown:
h=11 m=17
